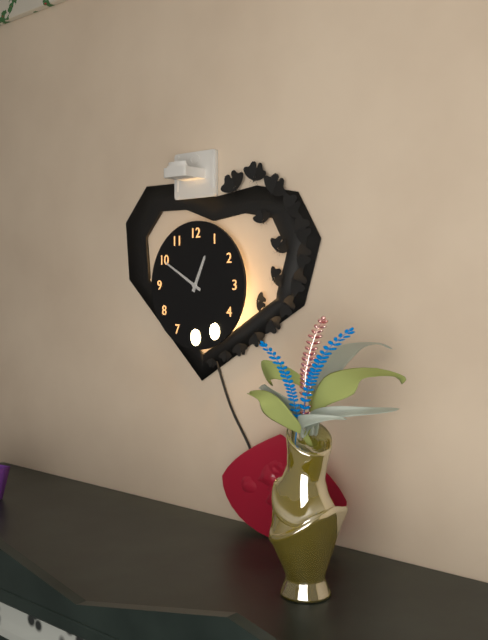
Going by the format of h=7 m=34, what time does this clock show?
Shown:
h=12 m=50
